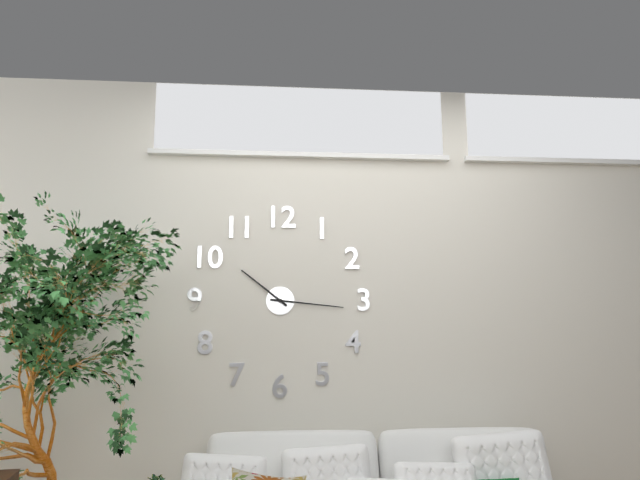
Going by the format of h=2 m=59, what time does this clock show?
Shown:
h=10 m=16
